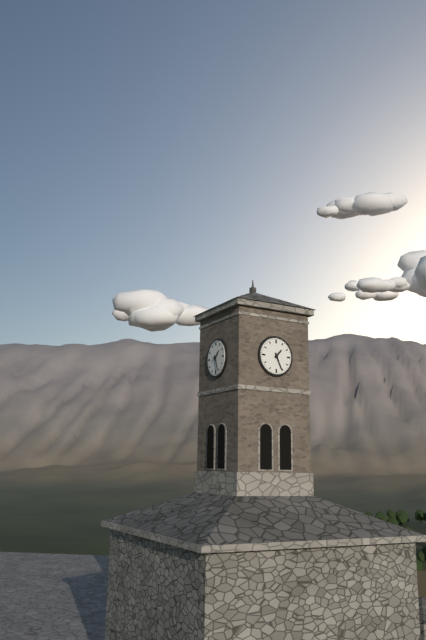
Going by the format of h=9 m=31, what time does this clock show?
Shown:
h=1 m=26
